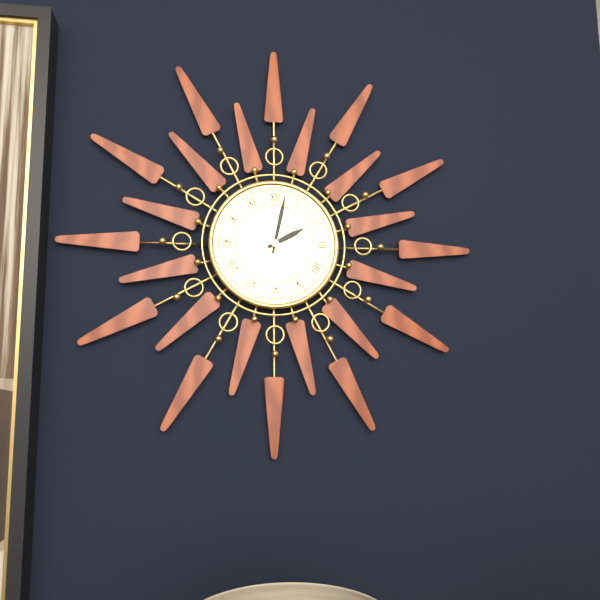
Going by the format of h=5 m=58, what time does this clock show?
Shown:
h=2 m=2
